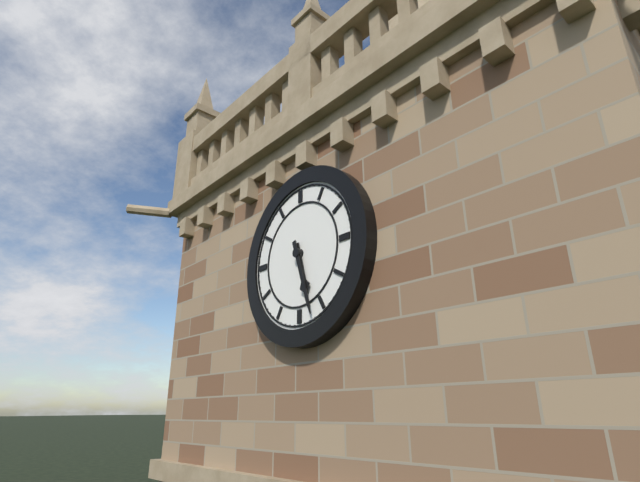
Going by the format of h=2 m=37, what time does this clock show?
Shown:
h=5 m=27
